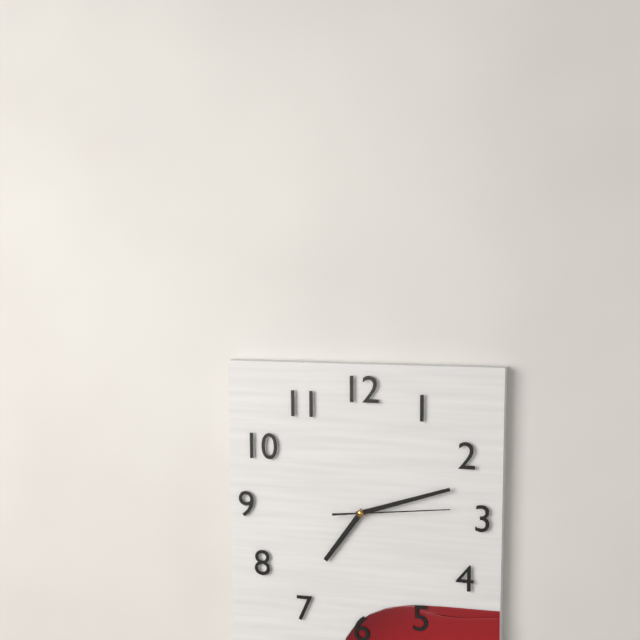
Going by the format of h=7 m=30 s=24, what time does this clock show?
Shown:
h=7 m=12 s=14
